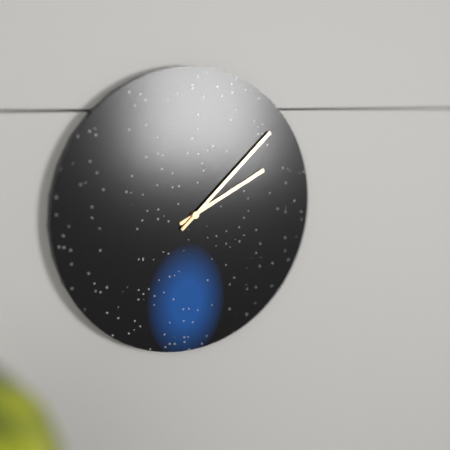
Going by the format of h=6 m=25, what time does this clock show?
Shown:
h=2 m=8
